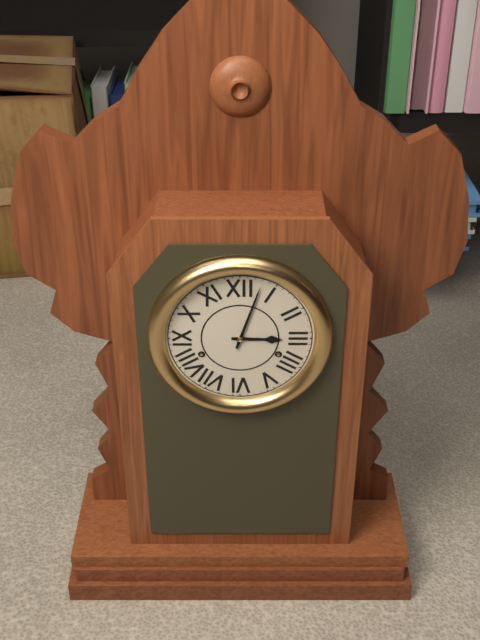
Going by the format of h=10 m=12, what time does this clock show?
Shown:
h=3 m=3
